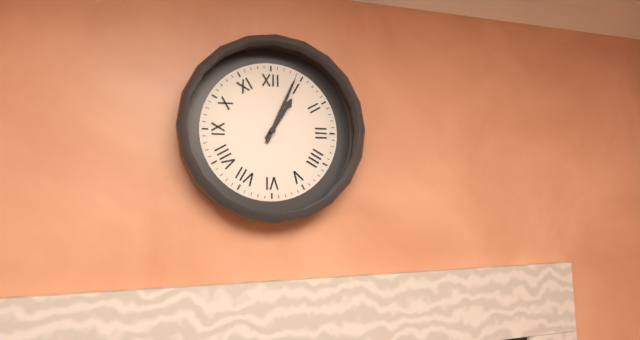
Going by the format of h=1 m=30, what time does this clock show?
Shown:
h=1 m=4
